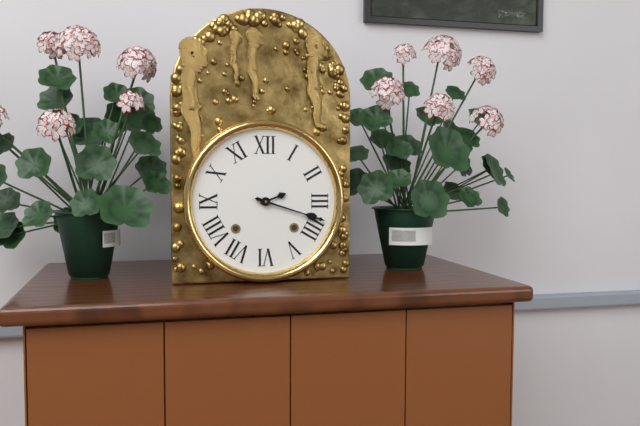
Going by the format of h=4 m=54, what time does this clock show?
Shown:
h=2 m=18
